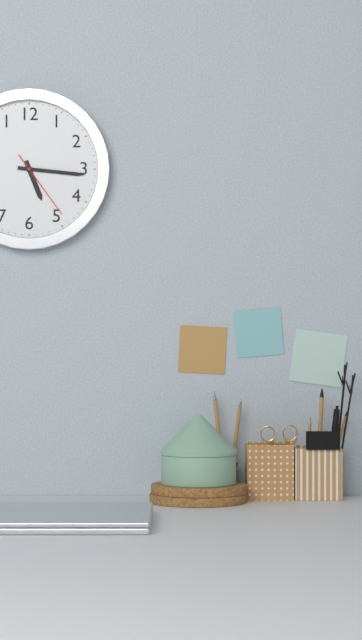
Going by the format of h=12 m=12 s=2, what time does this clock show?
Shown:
h=5 m=16 s=24
